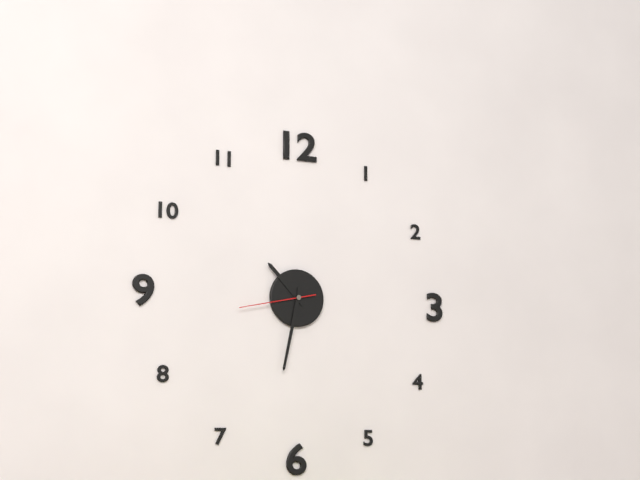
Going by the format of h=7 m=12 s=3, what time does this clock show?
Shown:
h=10 m=32 s=43
